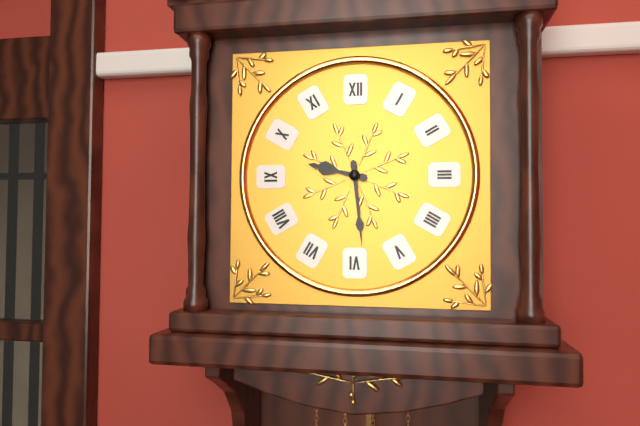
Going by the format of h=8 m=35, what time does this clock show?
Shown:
h=9 m=29
